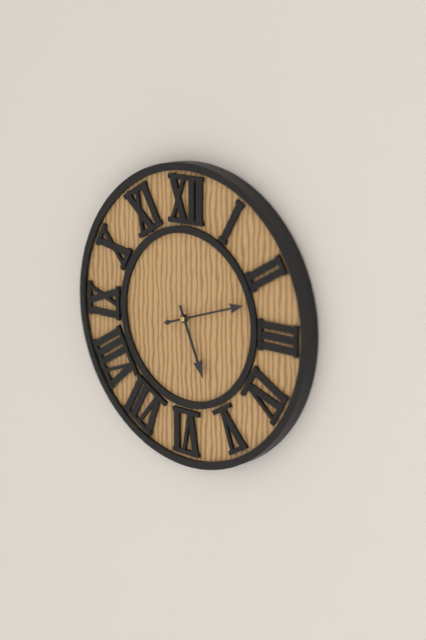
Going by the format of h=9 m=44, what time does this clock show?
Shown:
h=5 m=12
